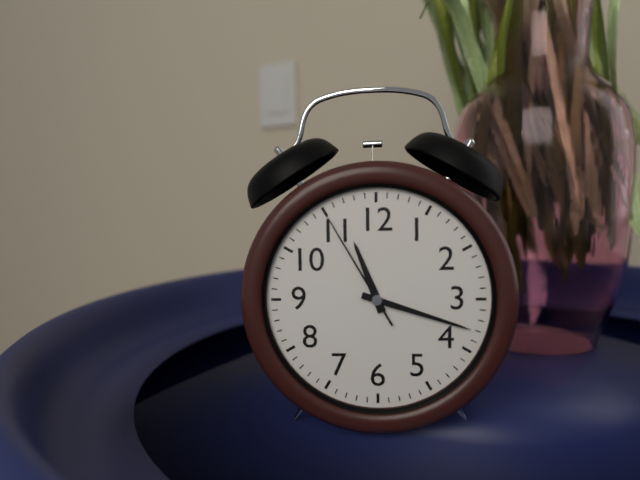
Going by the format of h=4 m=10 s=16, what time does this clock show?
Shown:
h=11 m=18 s=55
